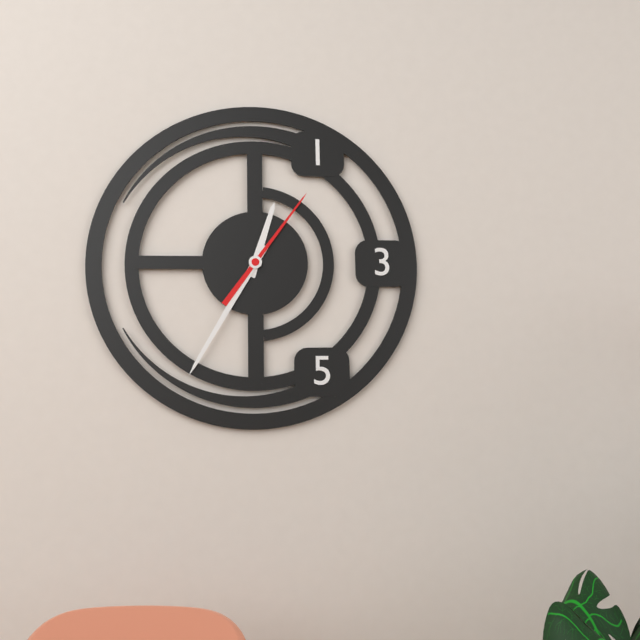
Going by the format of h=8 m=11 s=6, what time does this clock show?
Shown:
h=12 m=35 s=6
